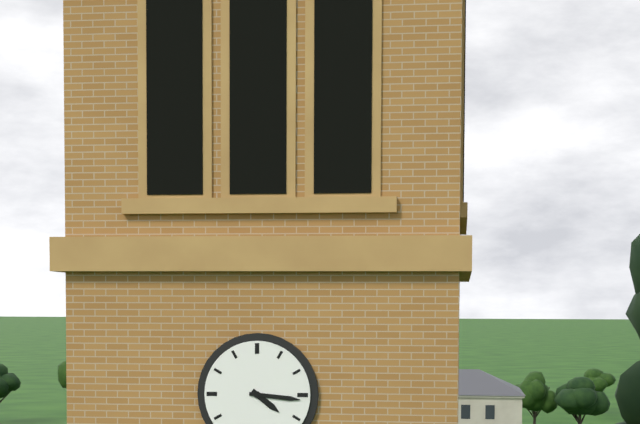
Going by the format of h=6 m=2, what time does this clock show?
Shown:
h=4 m=16
